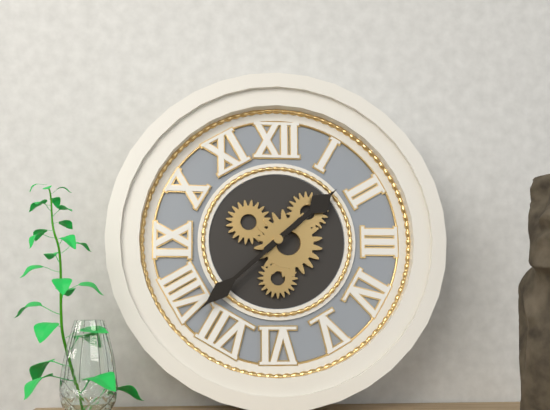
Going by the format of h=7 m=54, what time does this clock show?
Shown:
h=1 m=38
